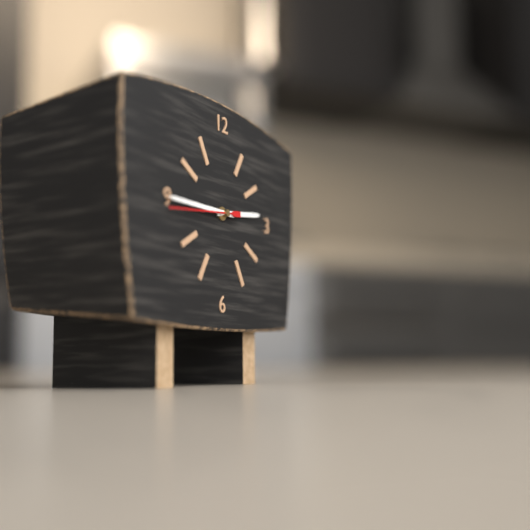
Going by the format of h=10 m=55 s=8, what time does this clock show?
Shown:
h=2 m=45 s=44
